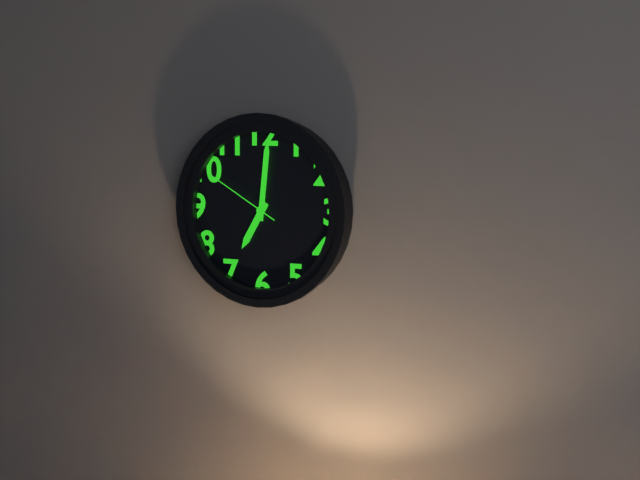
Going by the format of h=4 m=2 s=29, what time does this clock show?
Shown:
h=7 m=1 s=50
